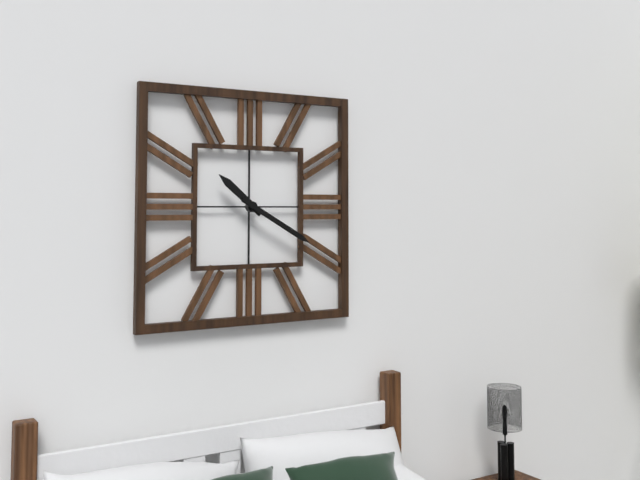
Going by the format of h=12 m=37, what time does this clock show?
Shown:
h=10 m=20
